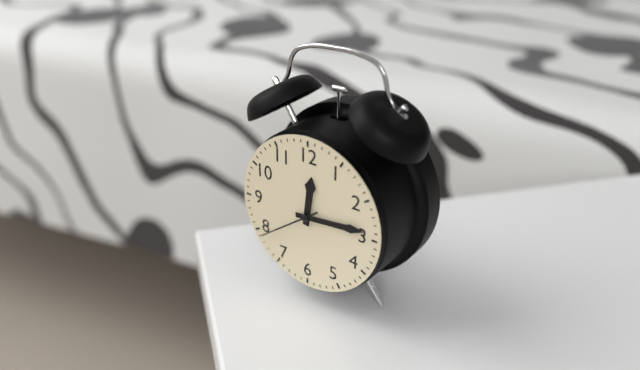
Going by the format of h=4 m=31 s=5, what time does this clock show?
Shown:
h=12 m=14 s=39
